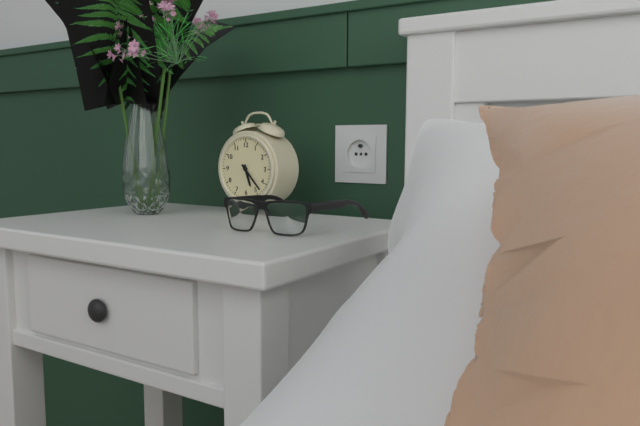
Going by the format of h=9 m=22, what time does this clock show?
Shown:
h=5 m=23
